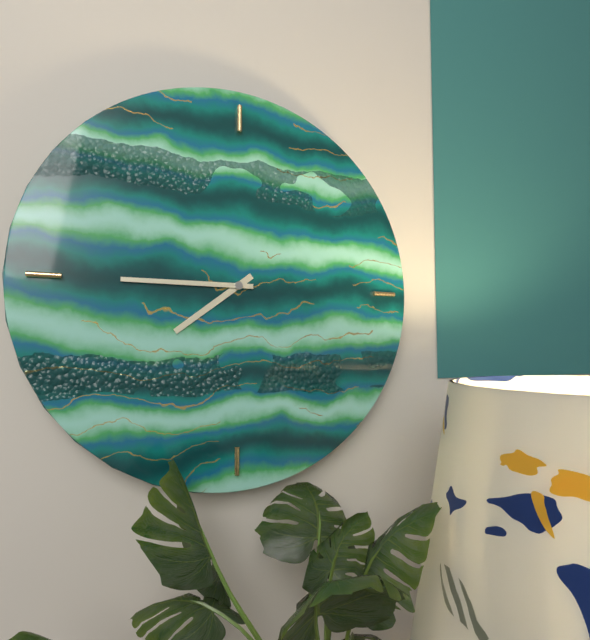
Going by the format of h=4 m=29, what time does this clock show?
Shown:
h=7 m=45
